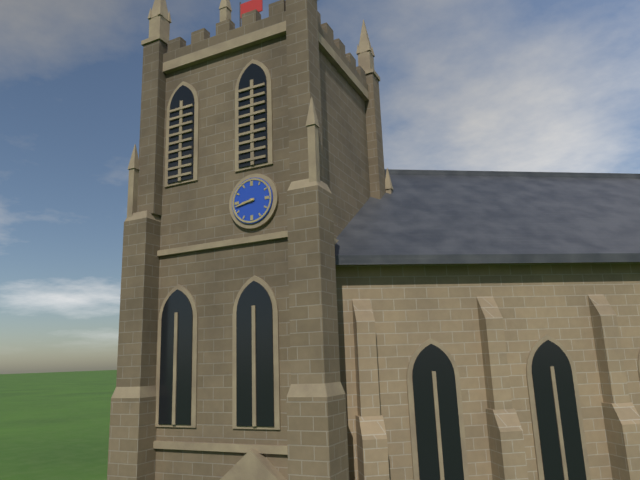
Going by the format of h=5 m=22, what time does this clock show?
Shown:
h=8 m=43
